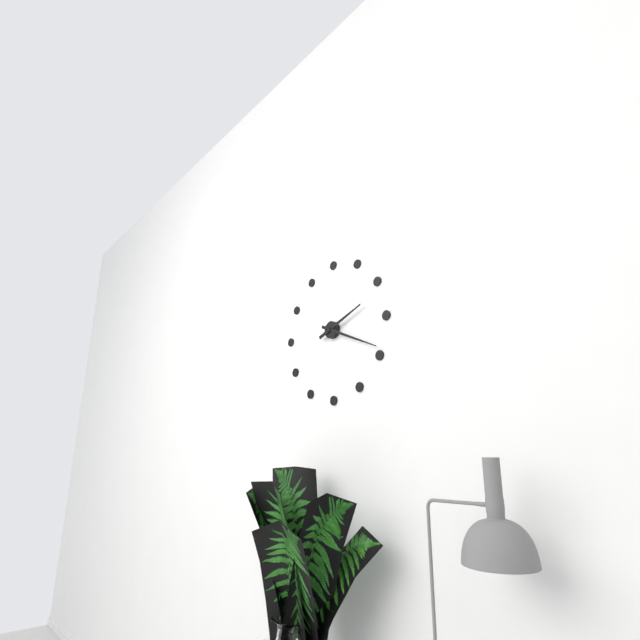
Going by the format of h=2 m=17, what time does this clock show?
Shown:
h=2 m=19
